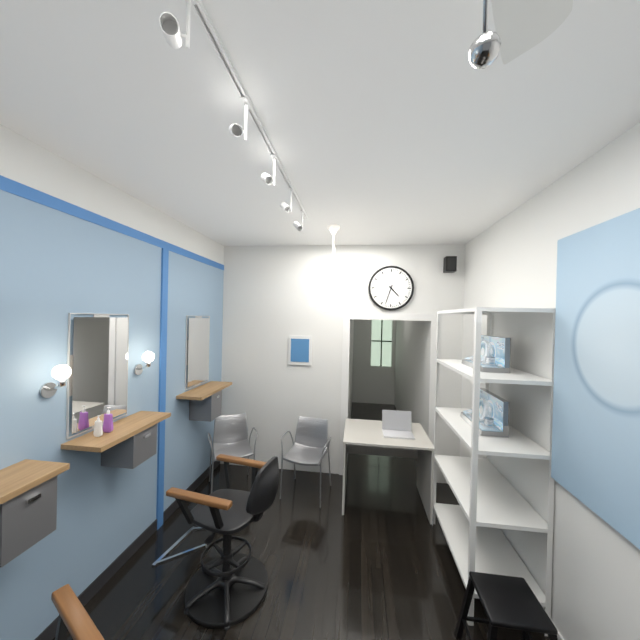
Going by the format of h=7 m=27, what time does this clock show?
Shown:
h=4 m=33
